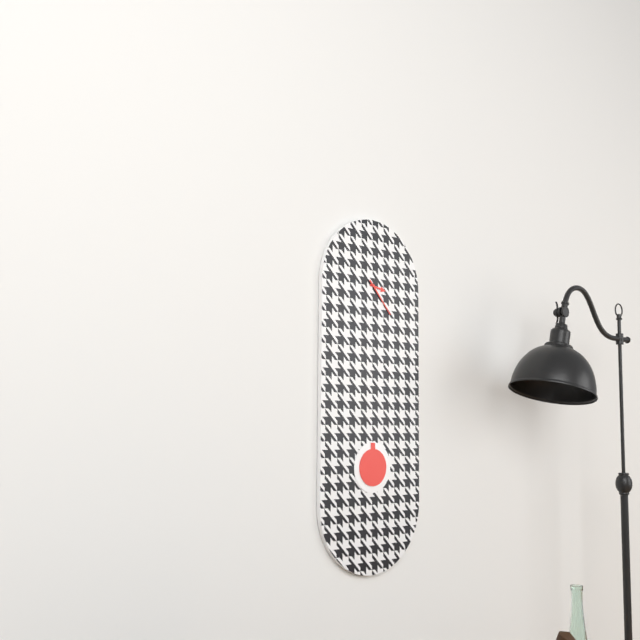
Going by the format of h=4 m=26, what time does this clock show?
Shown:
h=3 m=23
